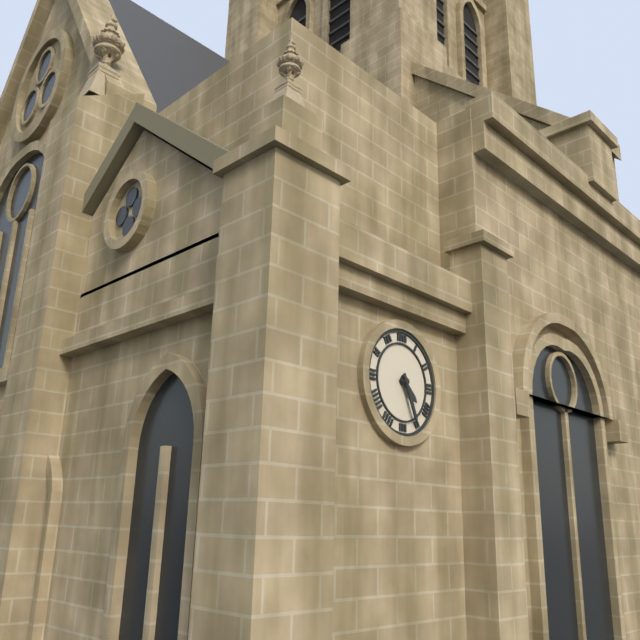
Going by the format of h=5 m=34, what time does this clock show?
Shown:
h=4 m=26
